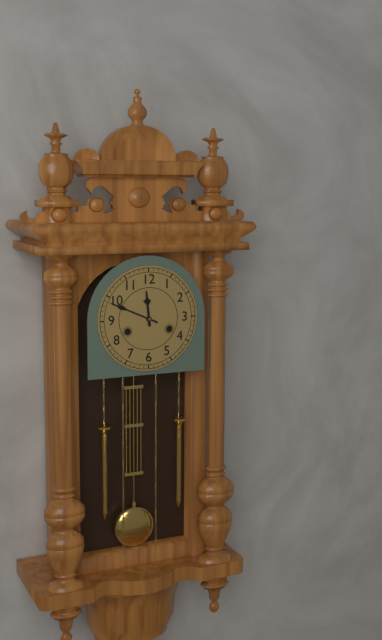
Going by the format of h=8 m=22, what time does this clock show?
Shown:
h=11 m=49
